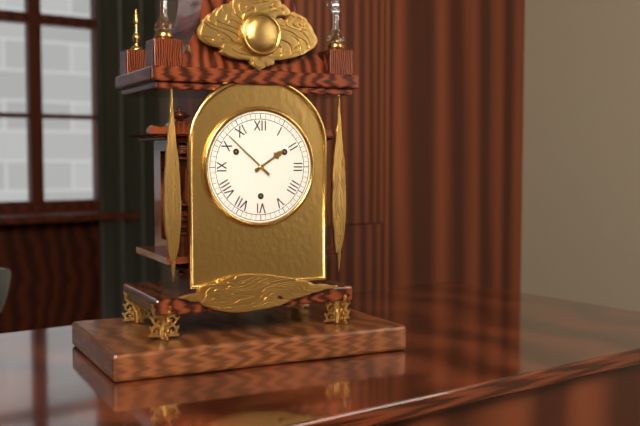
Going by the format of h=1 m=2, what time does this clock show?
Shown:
h=1 m=52
